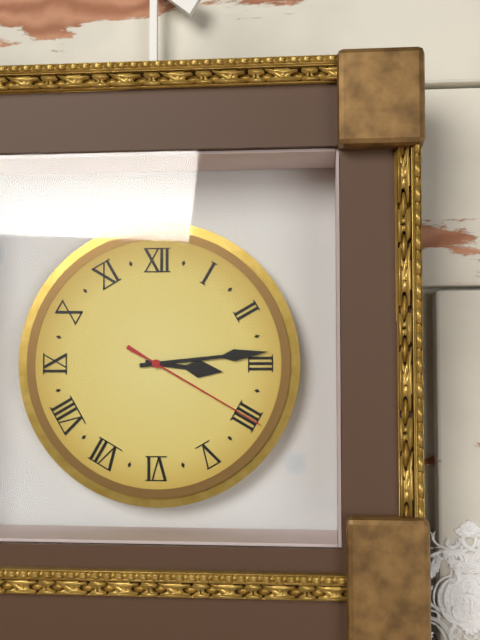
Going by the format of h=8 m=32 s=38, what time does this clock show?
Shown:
h=3 m=14 s=20
